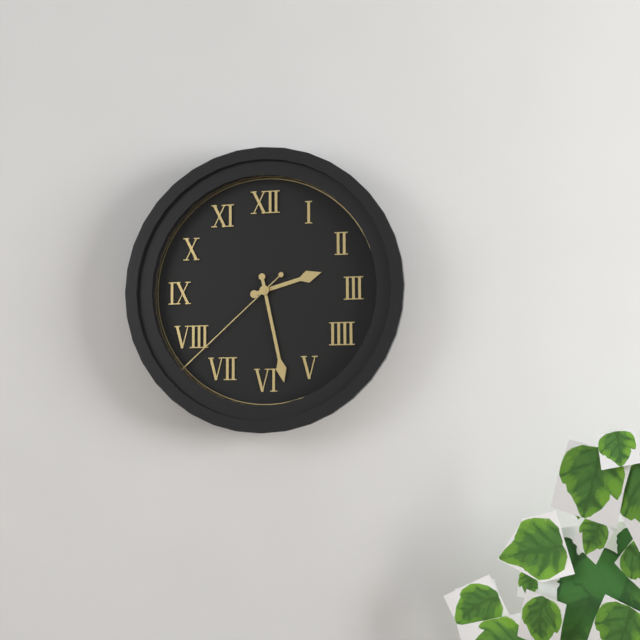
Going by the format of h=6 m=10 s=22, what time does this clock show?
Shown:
h=2 m=28 s=38
